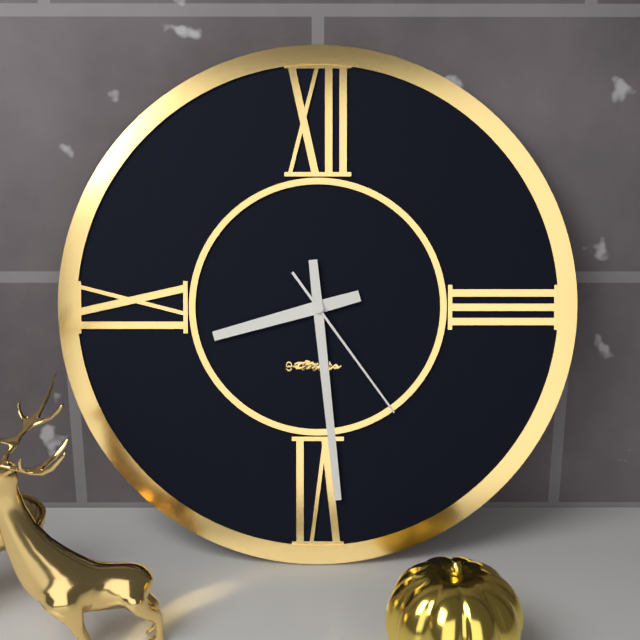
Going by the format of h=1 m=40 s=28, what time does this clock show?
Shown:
h=8 m=29 s=24
